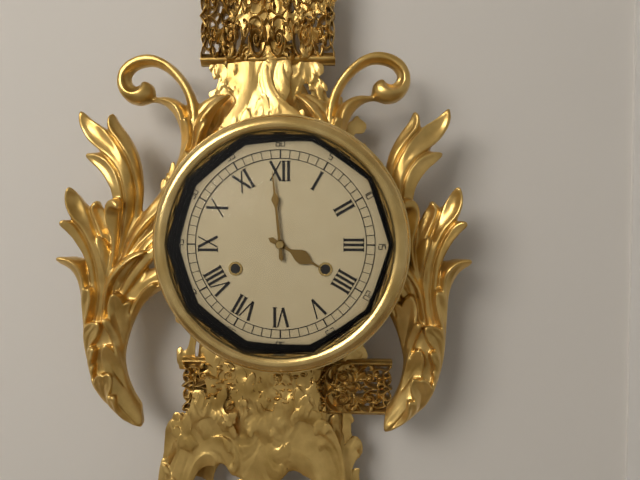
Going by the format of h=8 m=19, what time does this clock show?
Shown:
h=3 m=59
